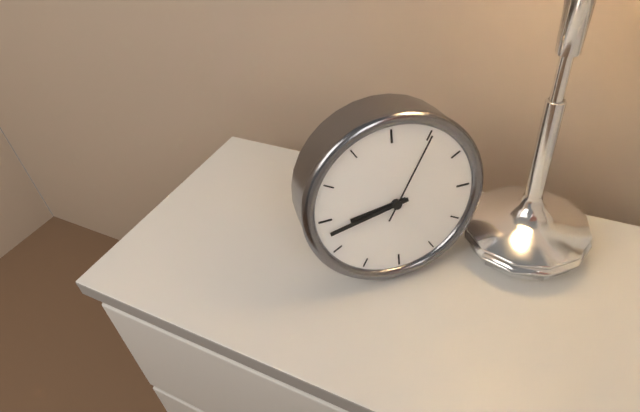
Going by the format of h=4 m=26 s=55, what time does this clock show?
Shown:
h=8 m=43 s=5
